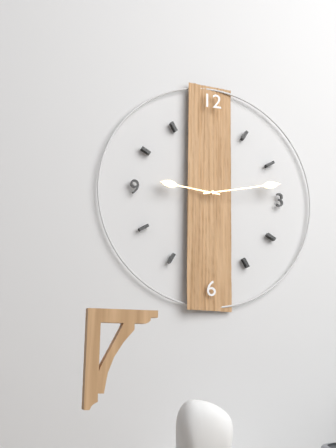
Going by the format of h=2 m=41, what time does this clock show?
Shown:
h=9 m=13
